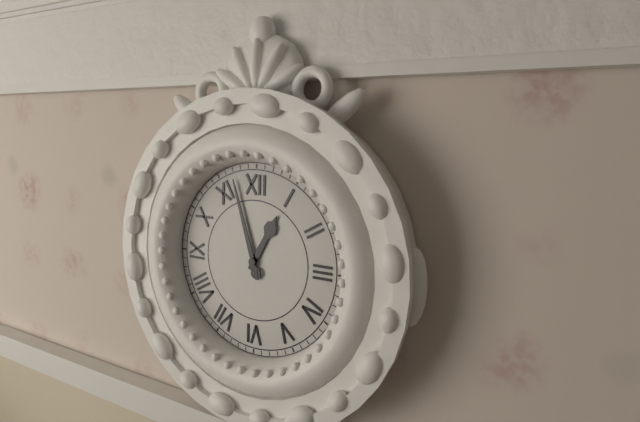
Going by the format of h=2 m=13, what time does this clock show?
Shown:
h=12 m=57
